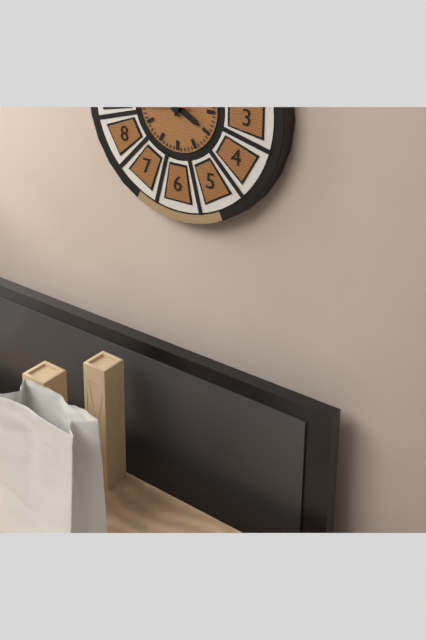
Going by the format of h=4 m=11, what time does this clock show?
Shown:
h=3 m=59
